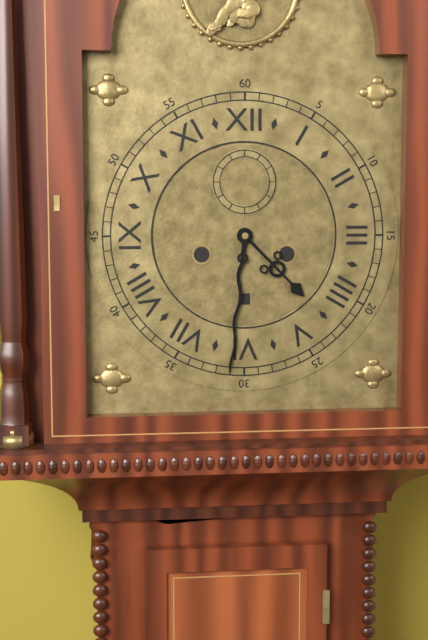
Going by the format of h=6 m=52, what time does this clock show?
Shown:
h=4 m=31
